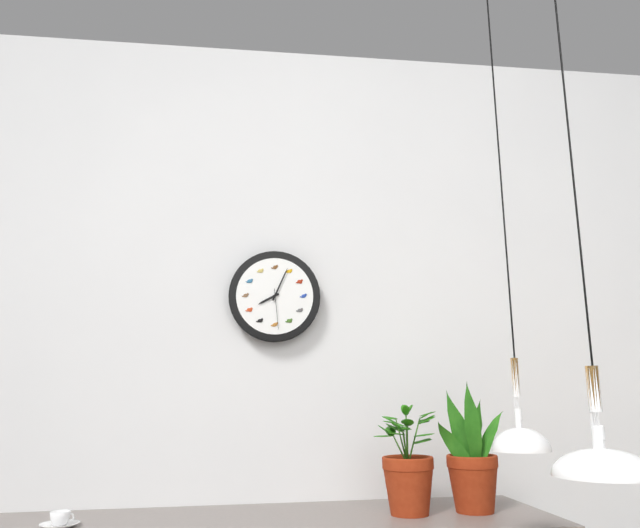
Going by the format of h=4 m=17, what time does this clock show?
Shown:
h=8 m=4
